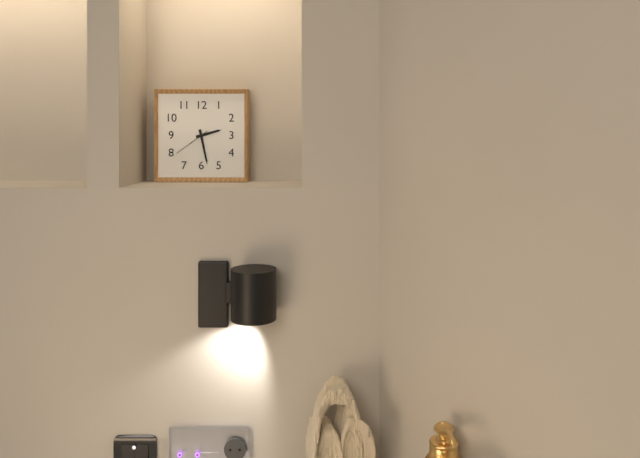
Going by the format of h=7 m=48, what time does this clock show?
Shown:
h=2 m=28
